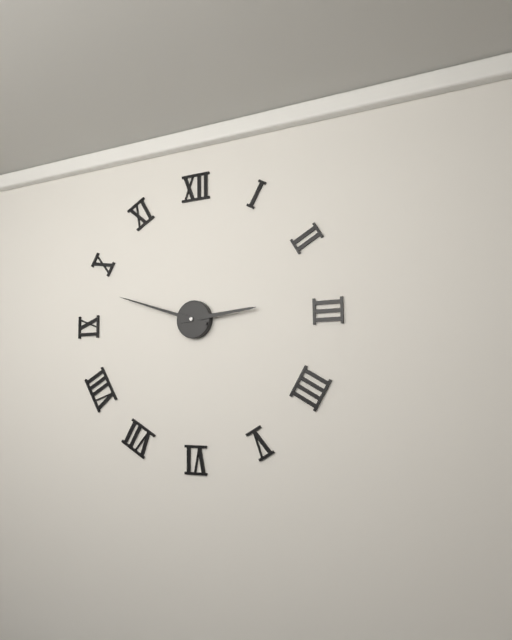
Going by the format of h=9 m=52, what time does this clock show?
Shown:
h=2 m=48
